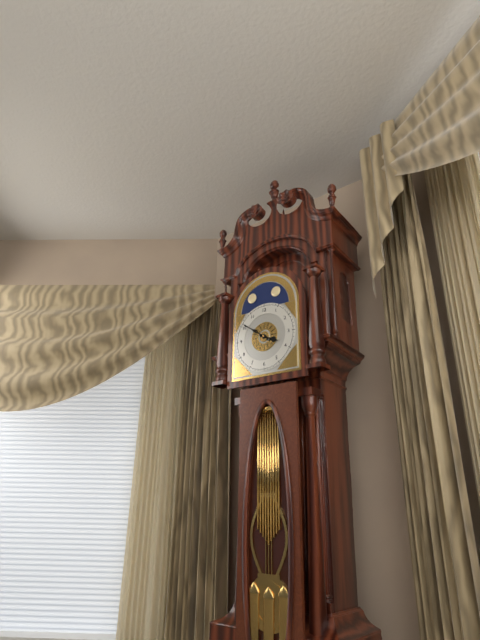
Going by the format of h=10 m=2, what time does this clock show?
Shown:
h=3 m=51
